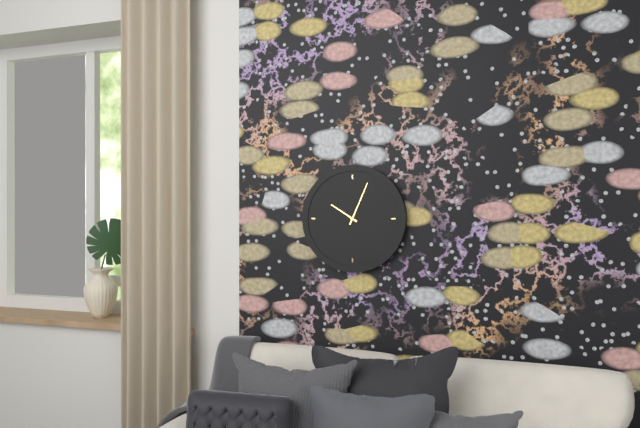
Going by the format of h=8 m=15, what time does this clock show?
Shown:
h=10 m=4
